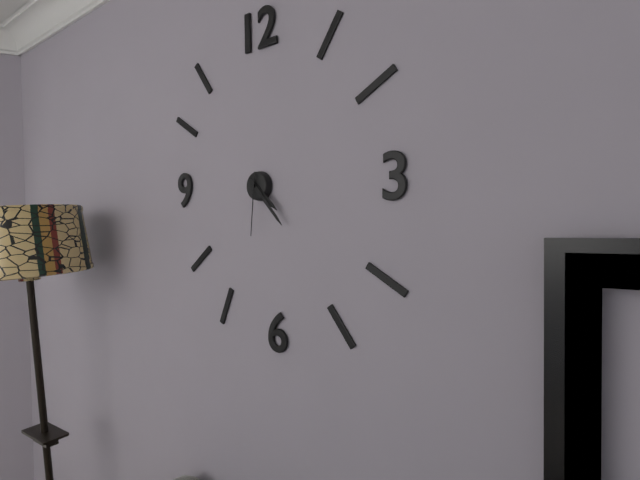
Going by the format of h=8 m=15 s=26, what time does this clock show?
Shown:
h=4 m=23 s=31
